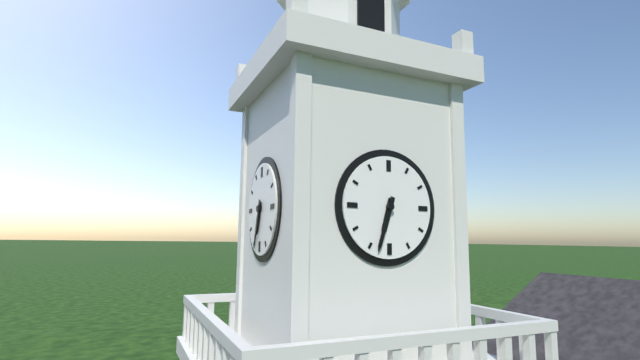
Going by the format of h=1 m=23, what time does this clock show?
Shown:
h=6 m=33
